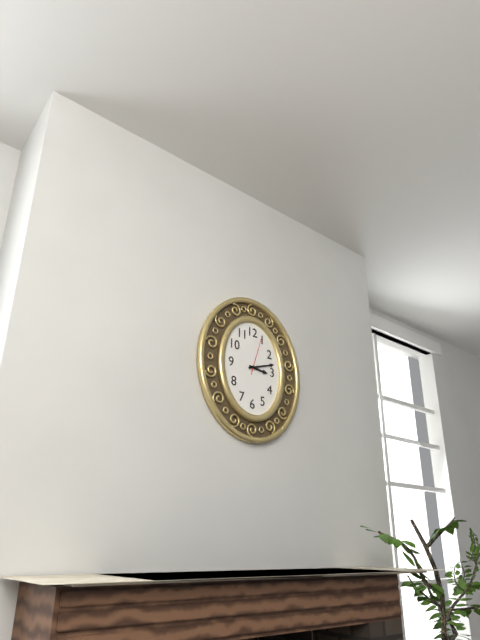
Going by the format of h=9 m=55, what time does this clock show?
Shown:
h=3 m=12
